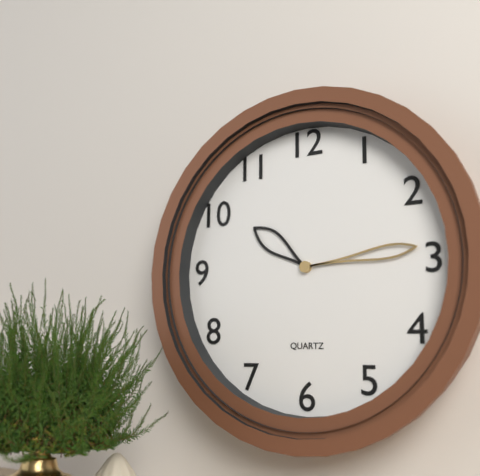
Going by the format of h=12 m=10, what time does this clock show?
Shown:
h=10 m=14
